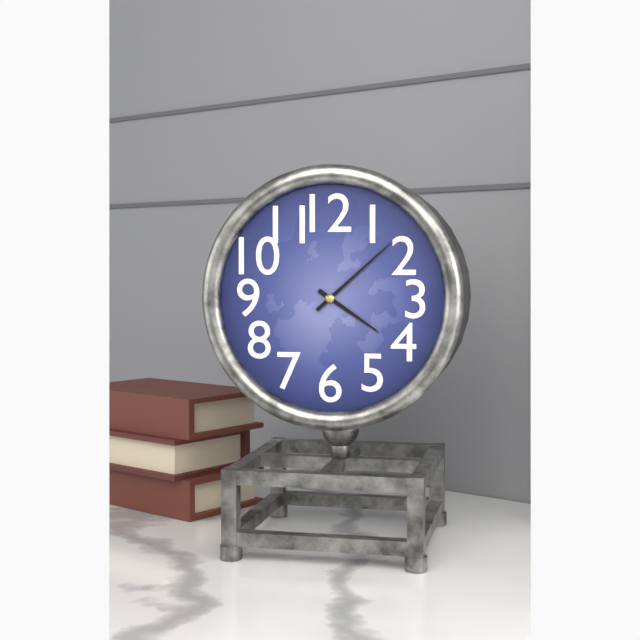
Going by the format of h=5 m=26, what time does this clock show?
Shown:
h=4 m=8
